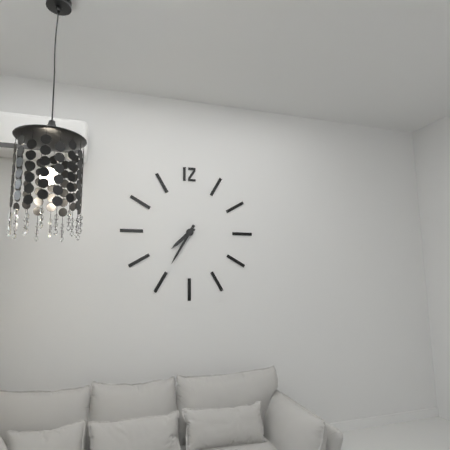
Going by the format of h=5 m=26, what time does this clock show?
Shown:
h=7 m=35
